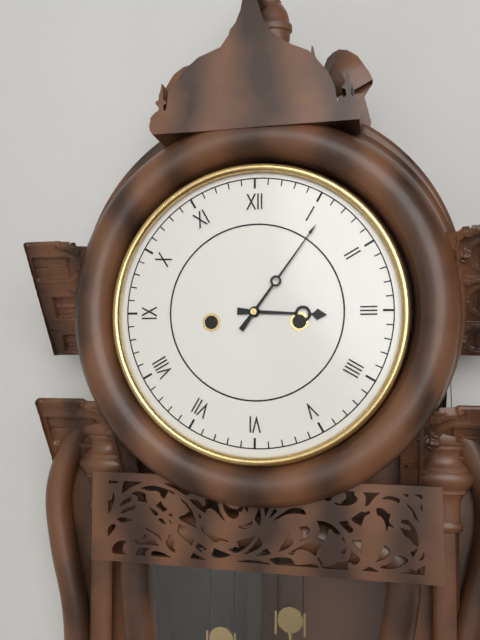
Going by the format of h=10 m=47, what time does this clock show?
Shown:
h=3 m=6
